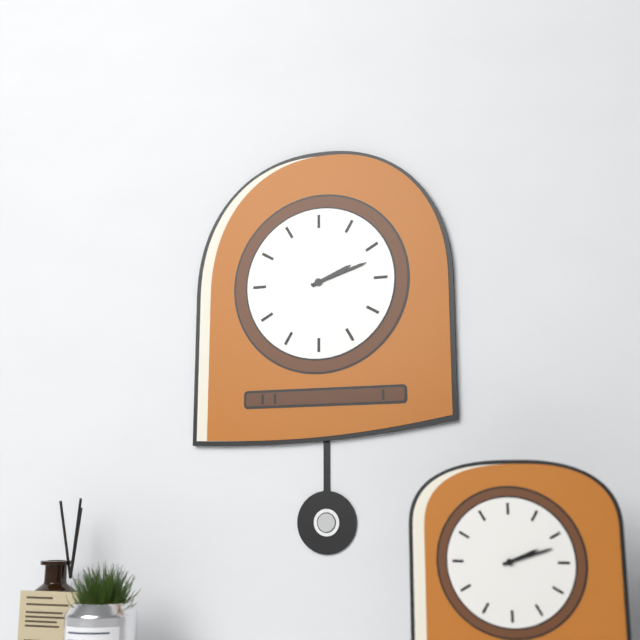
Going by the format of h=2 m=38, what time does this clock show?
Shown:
h=2 m=12
